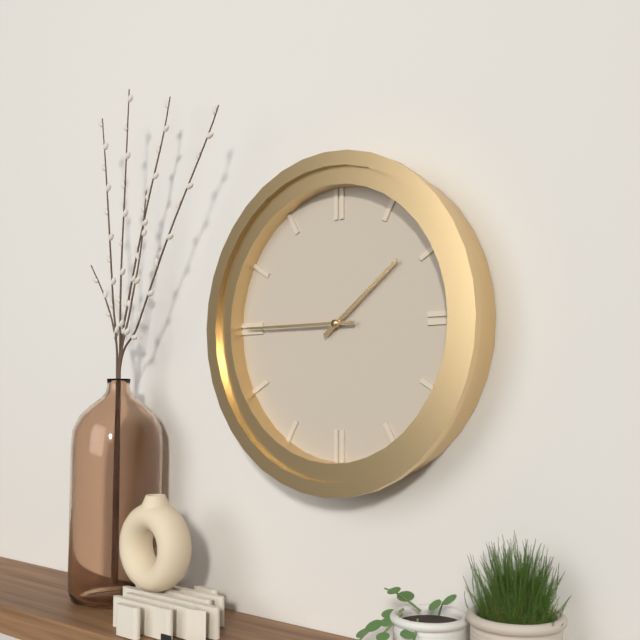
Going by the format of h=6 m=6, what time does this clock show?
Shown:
h=1 m=45
